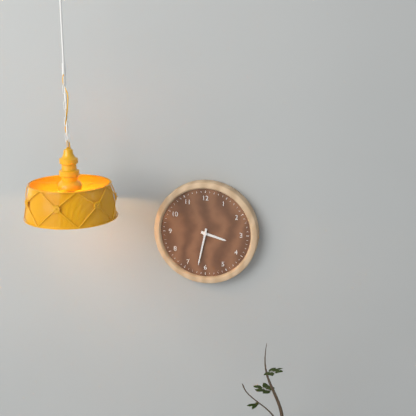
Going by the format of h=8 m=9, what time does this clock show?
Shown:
h=3 m=32
